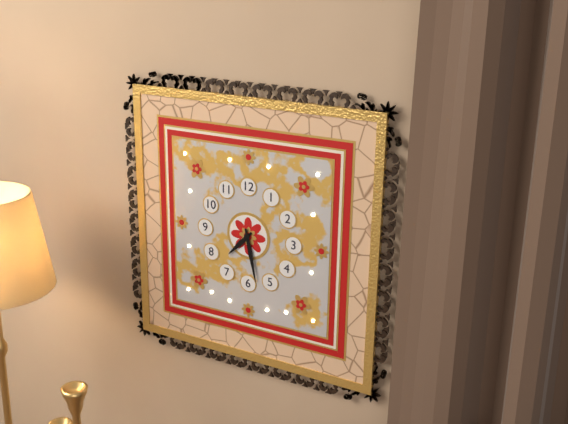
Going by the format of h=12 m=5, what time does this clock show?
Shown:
h=7 m=28
